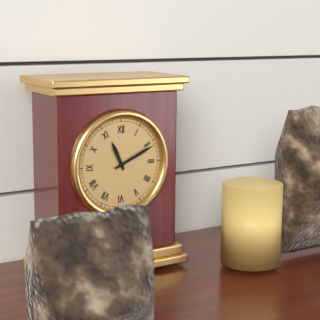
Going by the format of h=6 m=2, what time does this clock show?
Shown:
h=11 m=11
